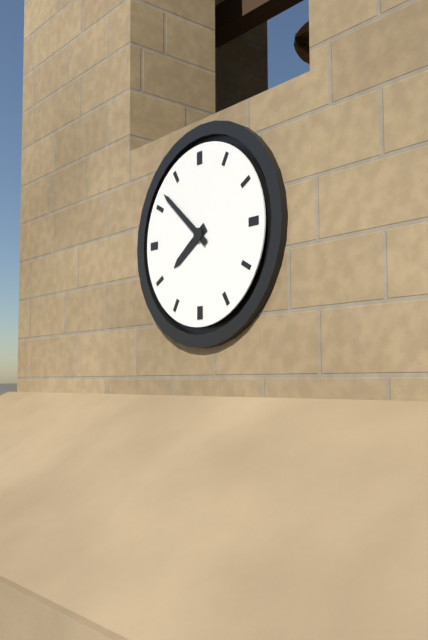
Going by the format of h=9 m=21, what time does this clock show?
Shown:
h=7 m=52
